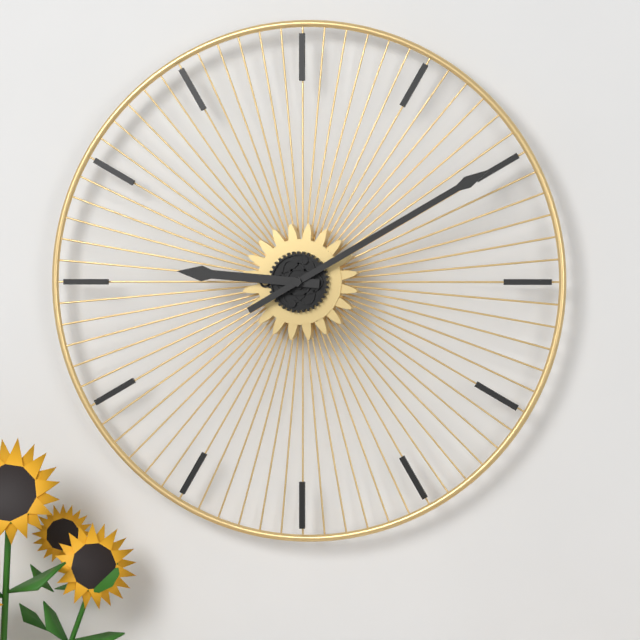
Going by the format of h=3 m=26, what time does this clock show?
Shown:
h=9 m=10
